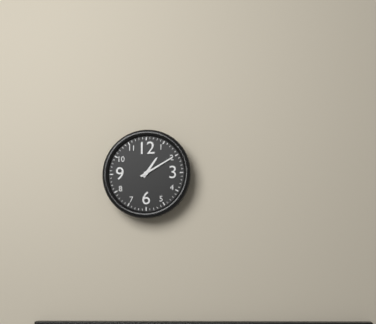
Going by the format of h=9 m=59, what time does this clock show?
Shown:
h=1 m=10
